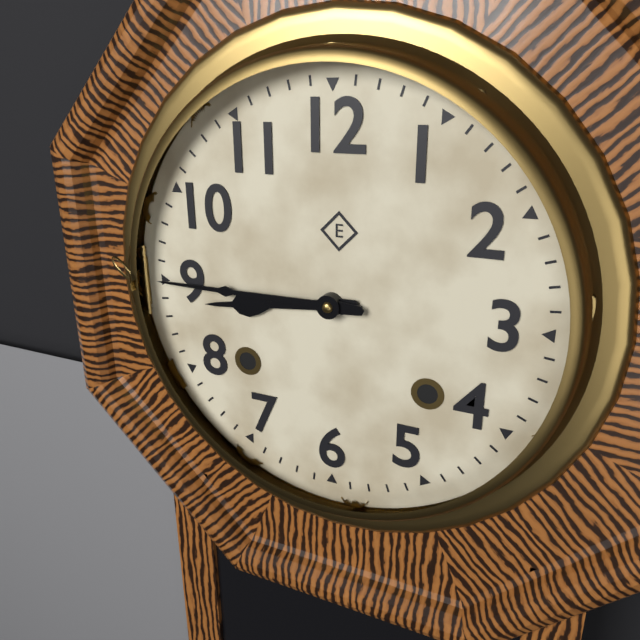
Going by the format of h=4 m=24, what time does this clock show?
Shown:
h=8 m=45
